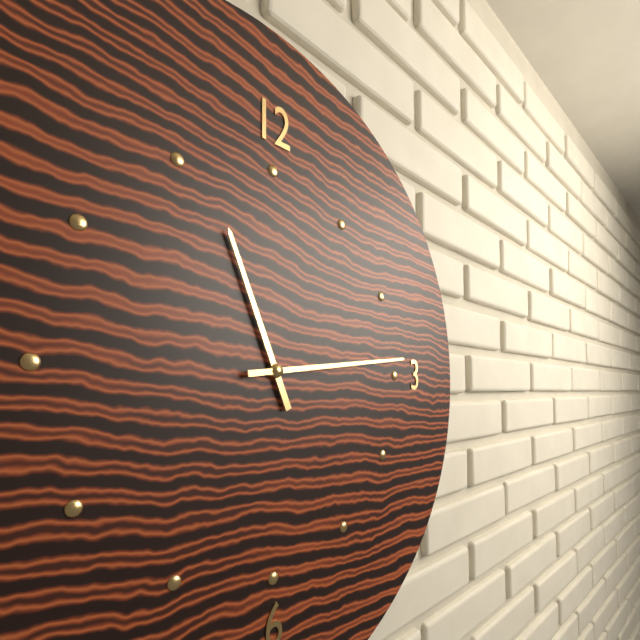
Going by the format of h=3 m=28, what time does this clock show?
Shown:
h=11 m=14
